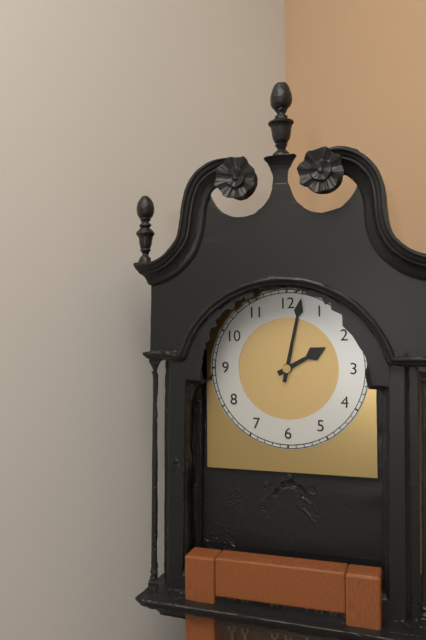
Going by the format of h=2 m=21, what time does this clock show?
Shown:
h=2 m=2
